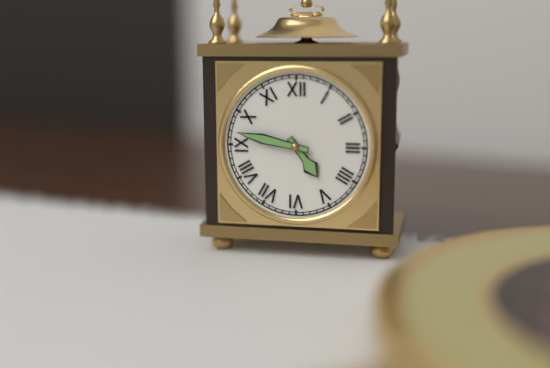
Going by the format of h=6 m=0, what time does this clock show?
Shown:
h=4 m=47
